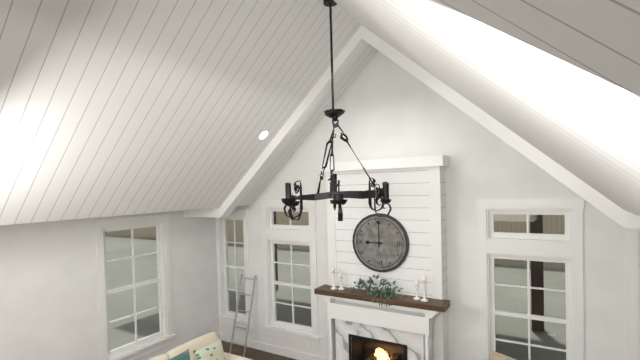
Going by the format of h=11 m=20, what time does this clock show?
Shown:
h=9 m=0
